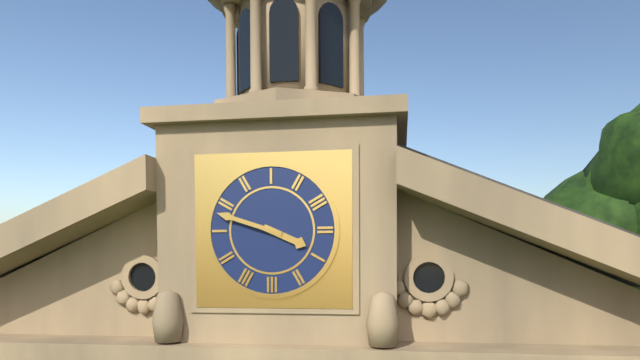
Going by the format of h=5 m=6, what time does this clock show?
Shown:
h=3 m=48
